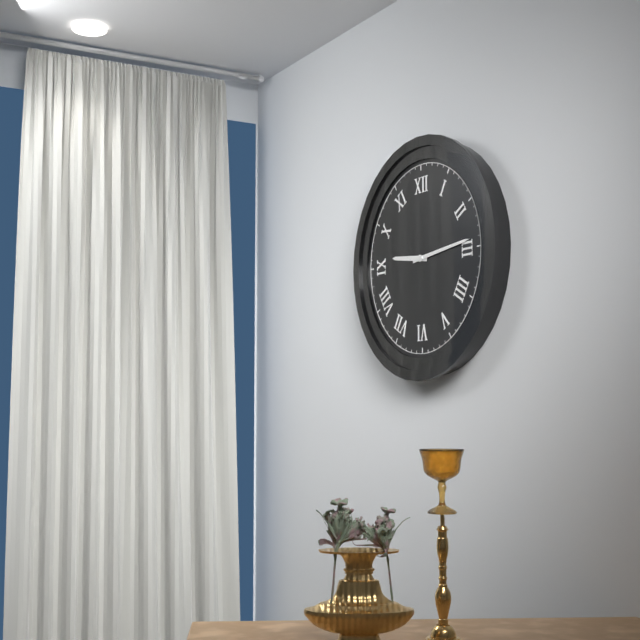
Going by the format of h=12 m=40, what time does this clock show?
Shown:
h=9 m=14
